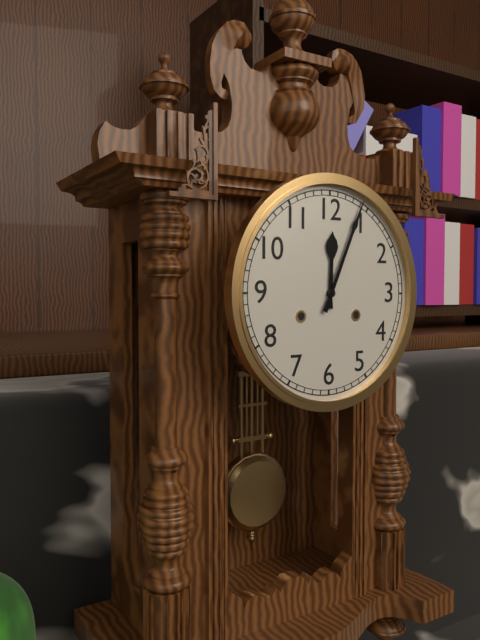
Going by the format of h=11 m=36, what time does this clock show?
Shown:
h=12 m=4
